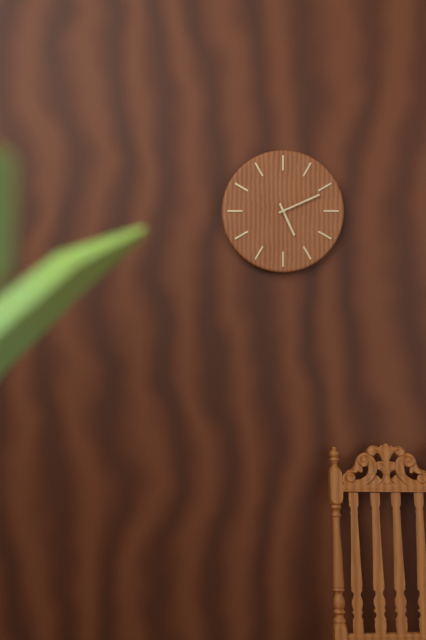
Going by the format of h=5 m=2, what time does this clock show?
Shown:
h=5 m=11
